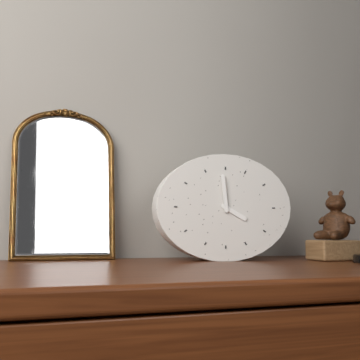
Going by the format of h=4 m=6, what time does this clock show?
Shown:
h=3 m=59
